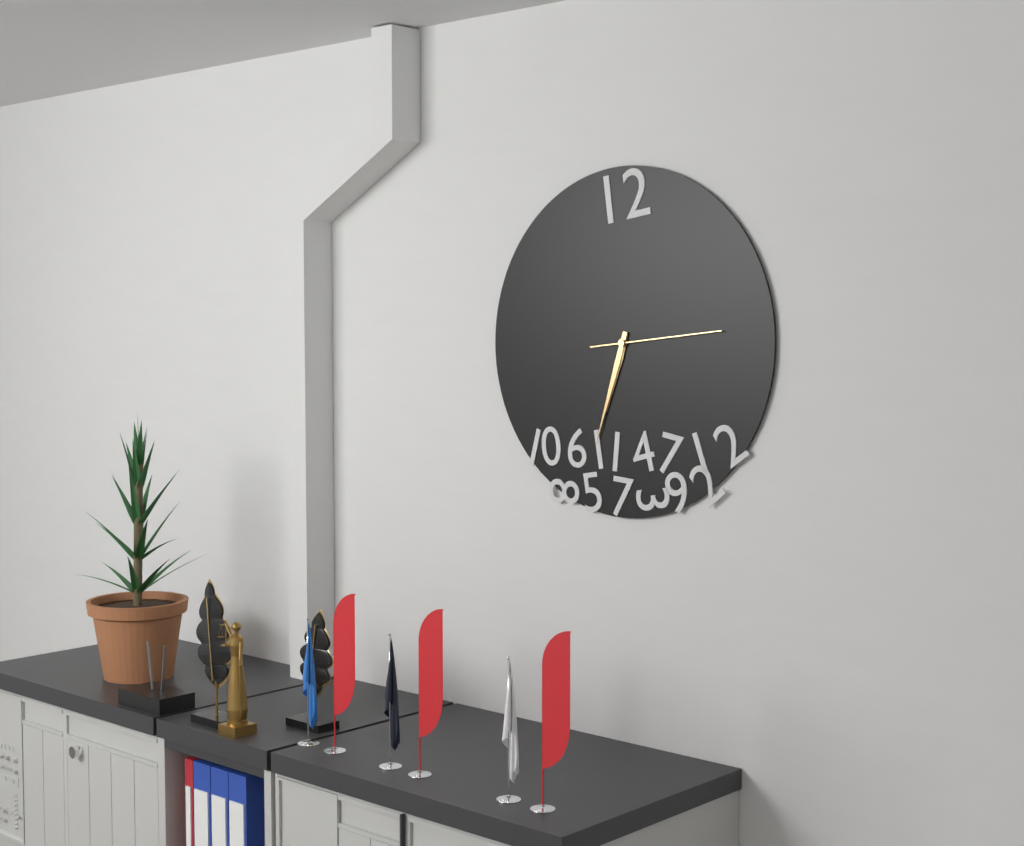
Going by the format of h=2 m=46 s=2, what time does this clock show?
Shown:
h=6 m=33 s=14
